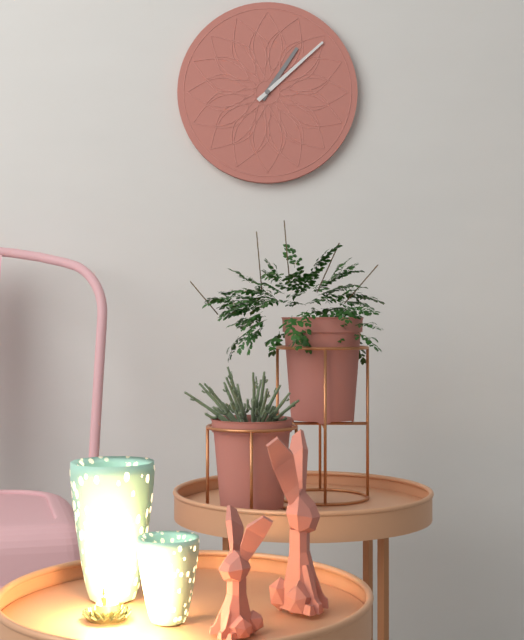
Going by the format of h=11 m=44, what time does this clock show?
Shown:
h=1 m=8
